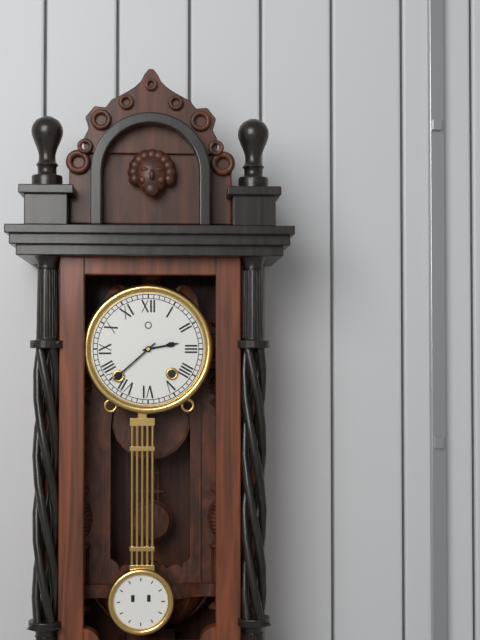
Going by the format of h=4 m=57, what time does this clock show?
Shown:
h=2 m=38
